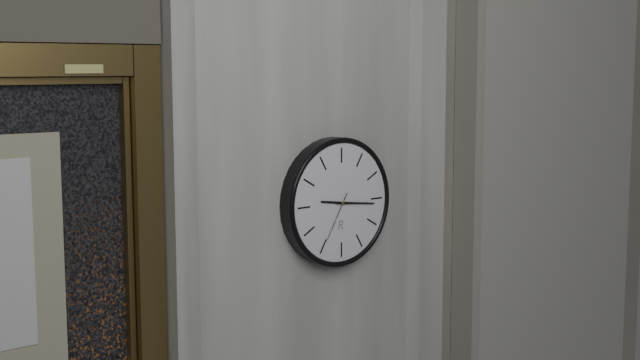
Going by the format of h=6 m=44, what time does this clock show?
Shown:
h=9 m=16
